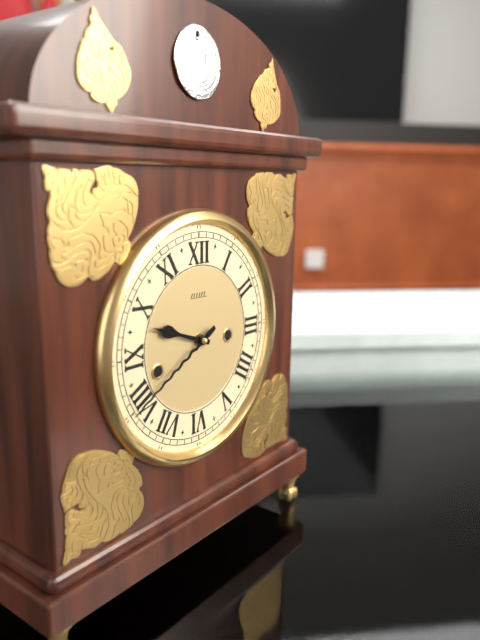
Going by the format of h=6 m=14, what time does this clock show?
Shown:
h=9 m=40
